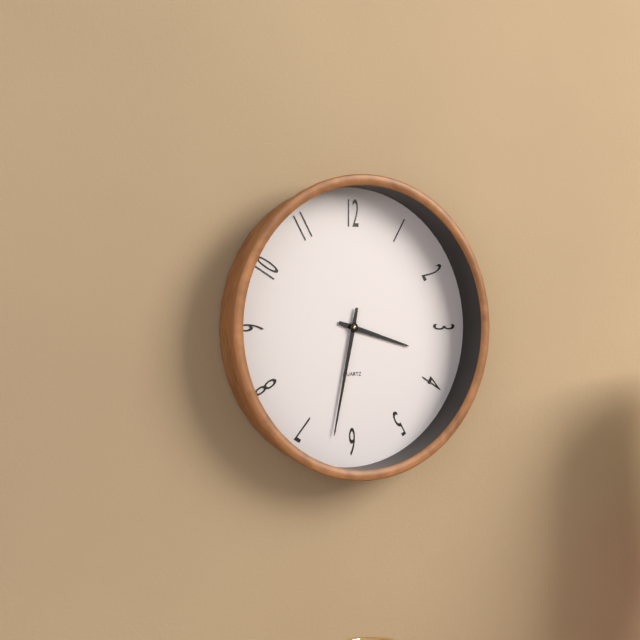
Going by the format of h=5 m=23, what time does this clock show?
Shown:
h=3 m=32
